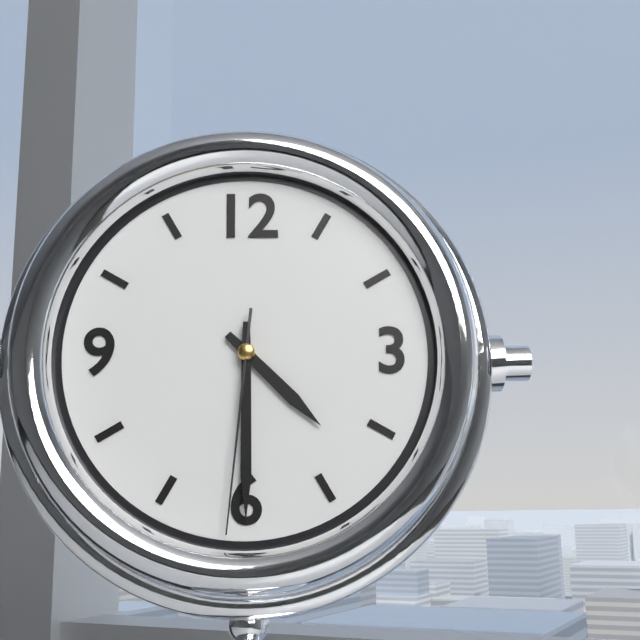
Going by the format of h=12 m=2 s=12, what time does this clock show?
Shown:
h=4 m=30 s=31
